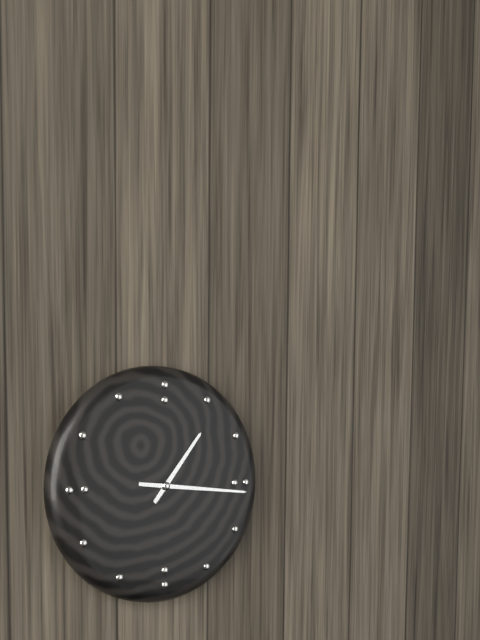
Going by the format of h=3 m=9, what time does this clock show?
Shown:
h=1 m=16
